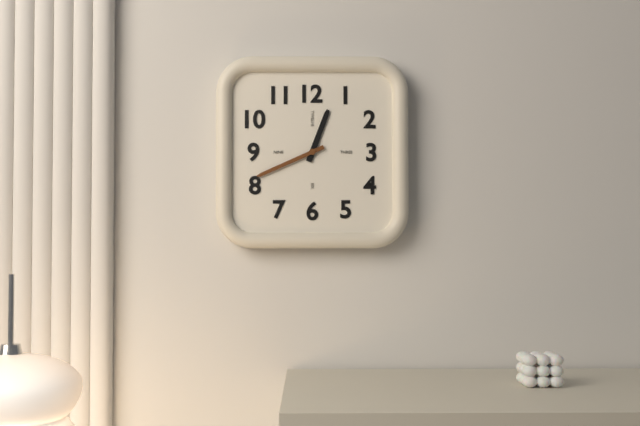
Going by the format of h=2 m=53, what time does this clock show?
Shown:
h=12 m=41
